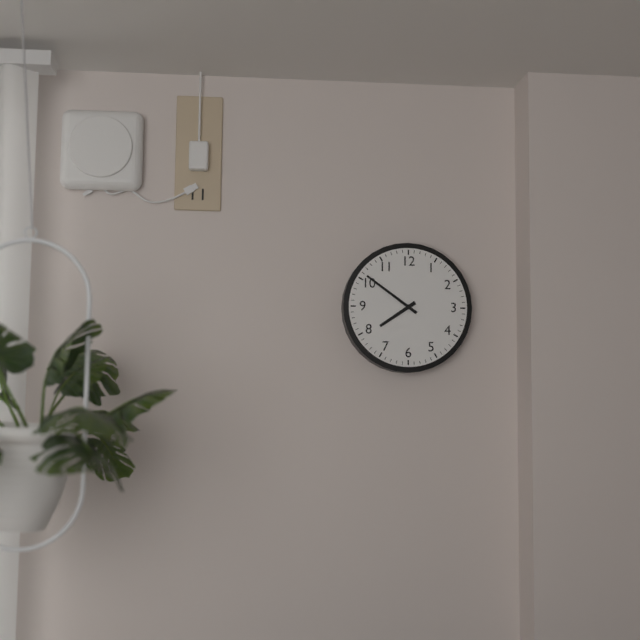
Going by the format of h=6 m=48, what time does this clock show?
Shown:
h=7 m=51
